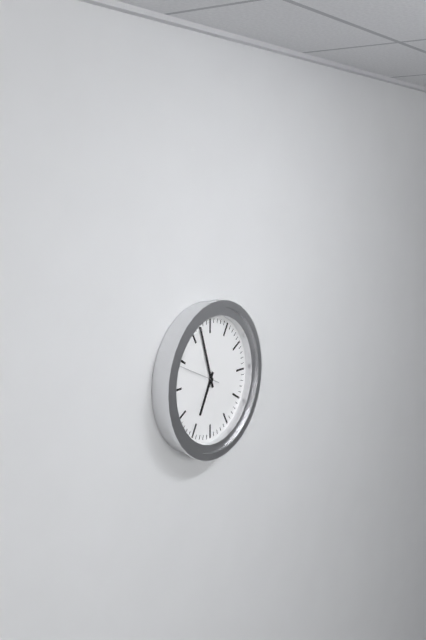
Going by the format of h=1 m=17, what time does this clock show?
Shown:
h=6 m=57
